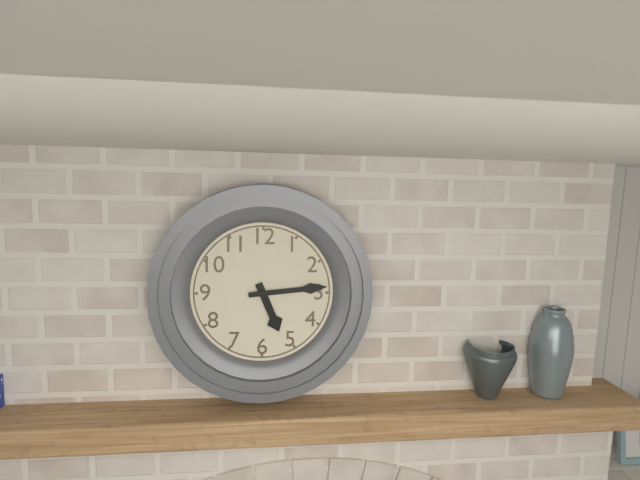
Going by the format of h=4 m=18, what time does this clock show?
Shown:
h=5 m=14
